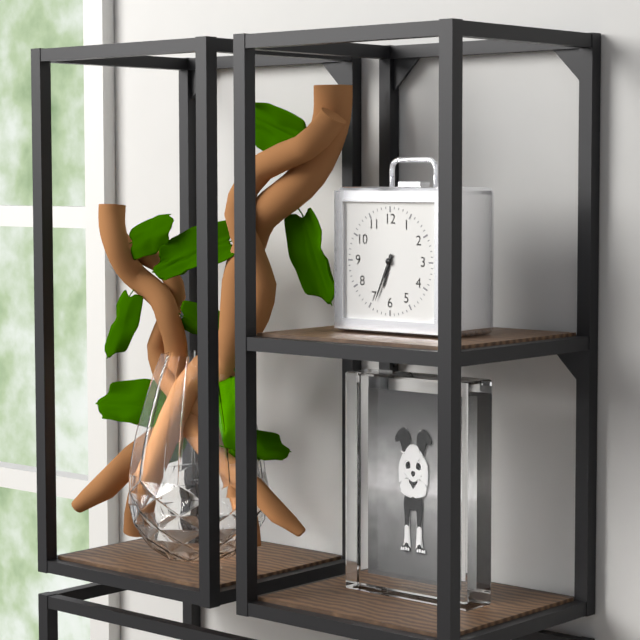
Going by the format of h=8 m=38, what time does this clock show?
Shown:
h=6 m=34
